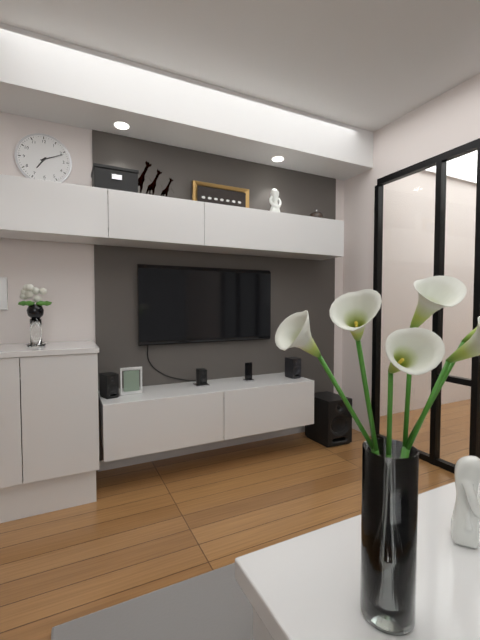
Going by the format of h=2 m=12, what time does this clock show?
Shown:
h=7 m=11
